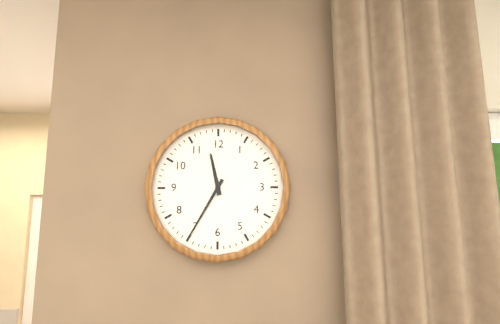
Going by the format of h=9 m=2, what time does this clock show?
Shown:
h=11 m=35
